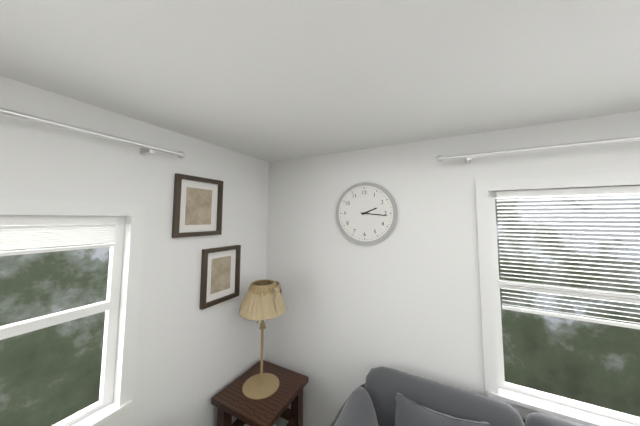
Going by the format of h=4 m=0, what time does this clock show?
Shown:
h=2 m=16
